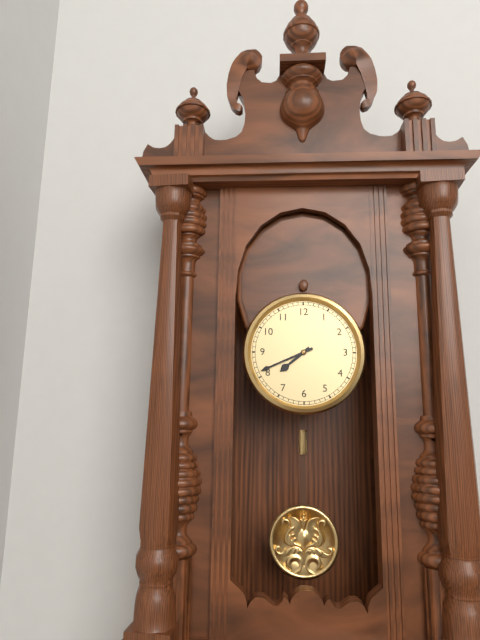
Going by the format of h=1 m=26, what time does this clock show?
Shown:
h=7 m=41
